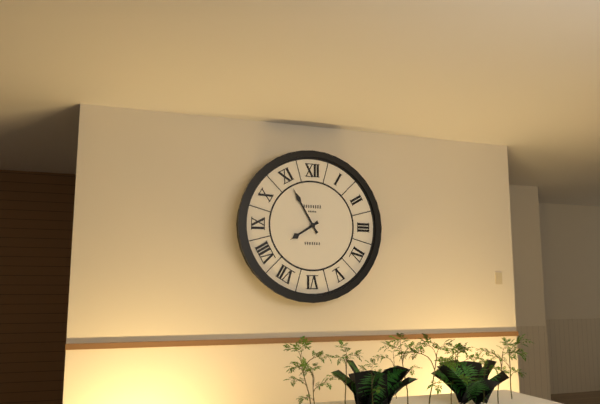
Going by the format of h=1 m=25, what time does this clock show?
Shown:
h=7 m=55
